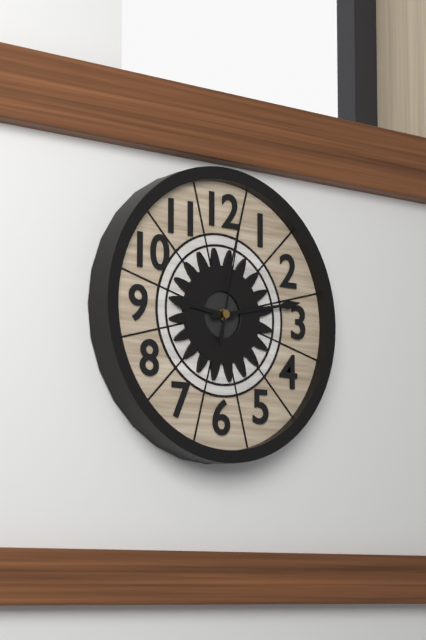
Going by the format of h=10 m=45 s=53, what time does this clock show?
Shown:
h=9 m=13 s=2
